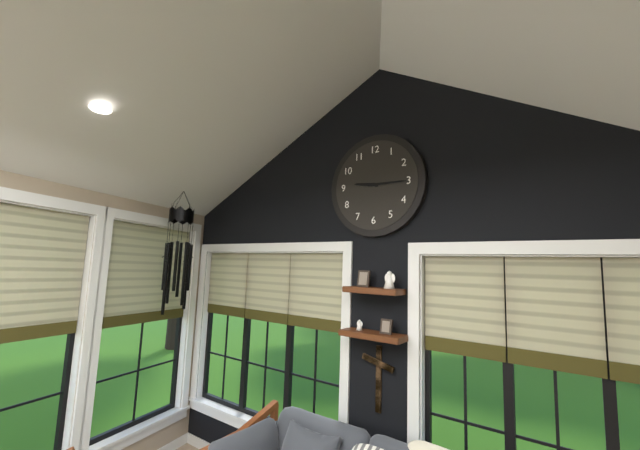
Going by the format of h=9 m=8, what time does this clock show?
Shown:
h=9 m=15
